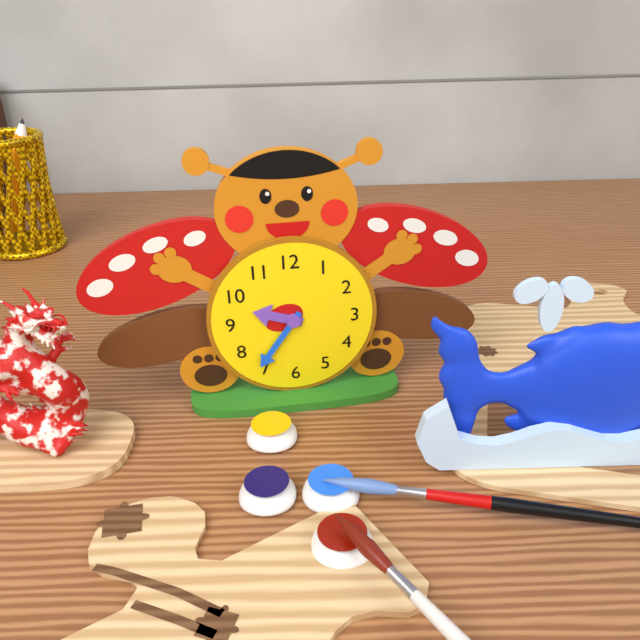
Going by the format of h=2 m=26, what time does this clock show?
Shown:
h=9 m=36
